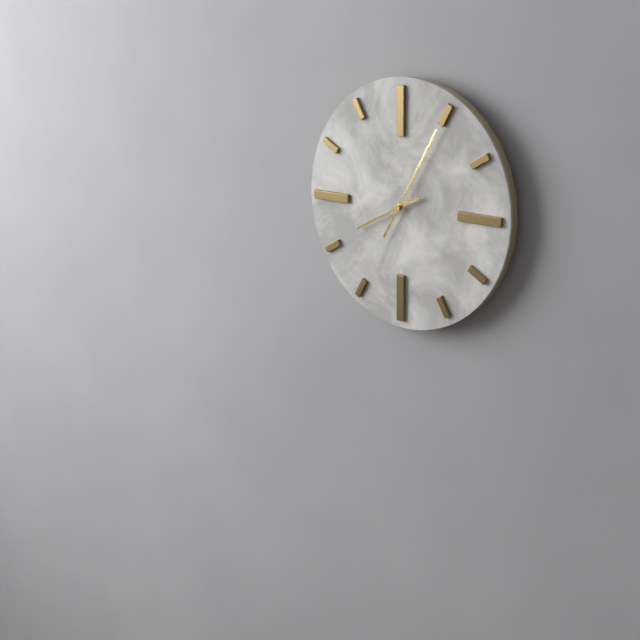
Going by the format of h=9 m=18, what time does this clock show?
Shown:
h=8 m=5
